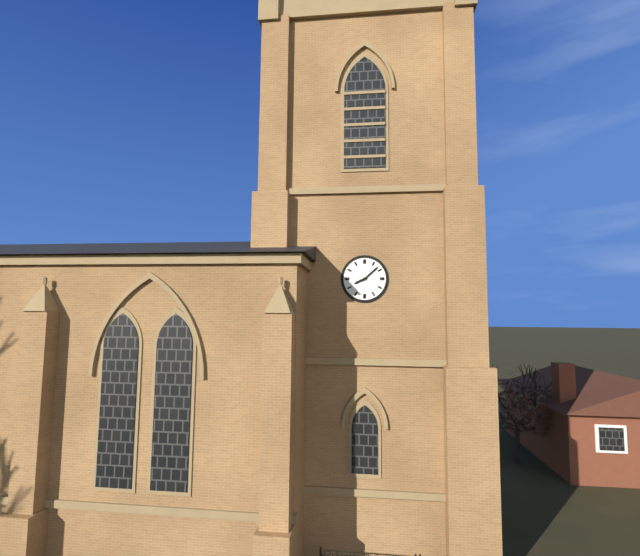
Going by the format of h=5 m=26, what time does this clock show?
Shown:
h=8 m=8
